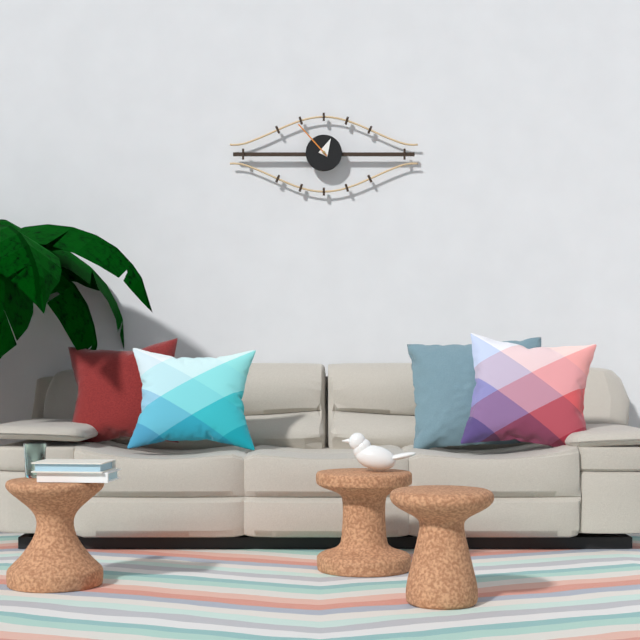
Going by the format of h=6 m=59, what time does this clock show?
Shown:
h=12 m=53
